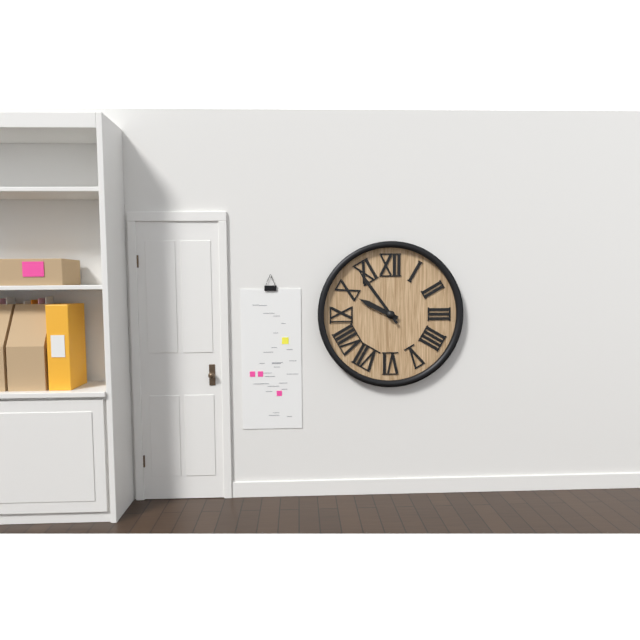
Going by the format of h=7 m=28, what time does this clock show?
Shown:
h=9 m=54
